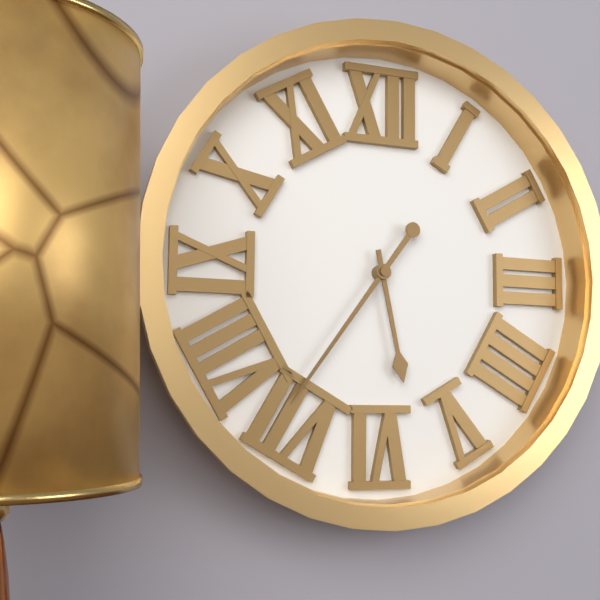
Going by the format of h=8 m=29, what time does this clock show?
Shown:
h=5 m=36
